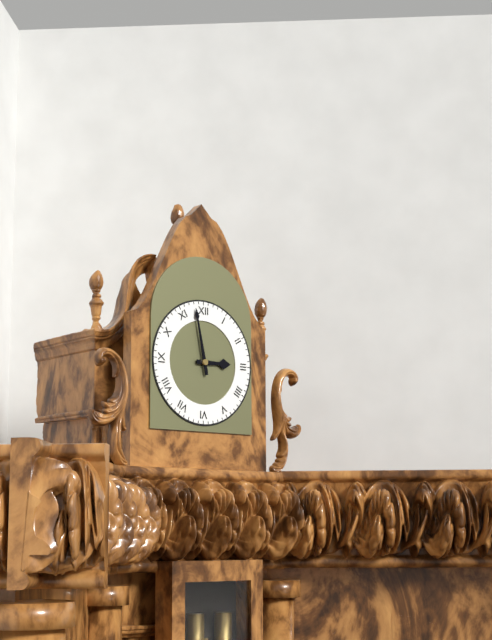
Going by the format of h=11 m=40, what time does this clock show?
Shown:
h=2 m=58
